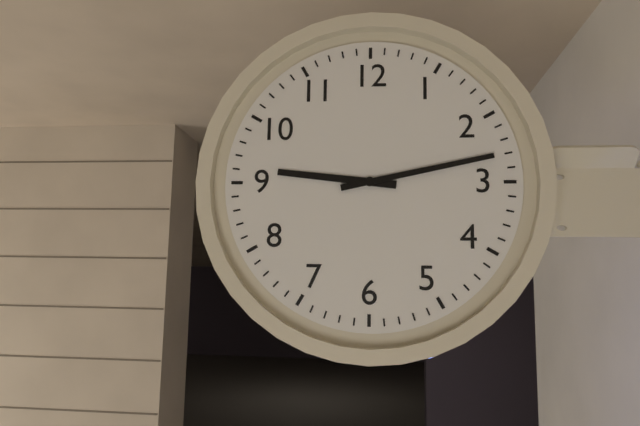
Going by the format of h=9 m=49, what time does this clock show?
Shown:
h=9 m=13
